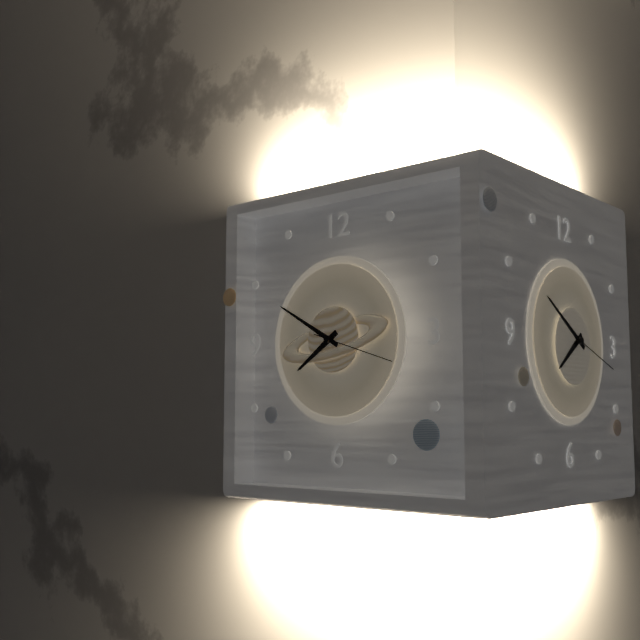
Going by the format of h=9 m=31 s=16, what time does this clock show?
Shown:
h=7 m=50 s=18
